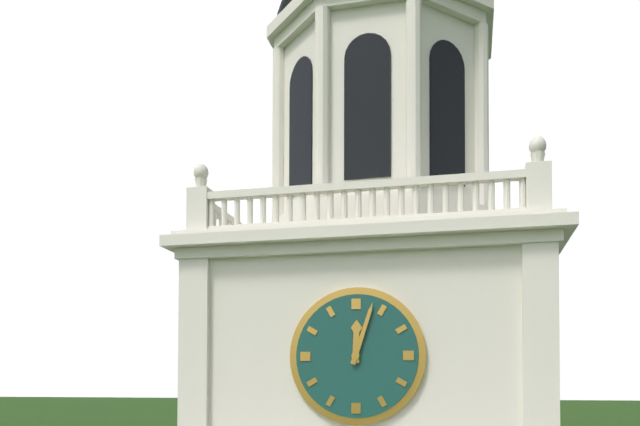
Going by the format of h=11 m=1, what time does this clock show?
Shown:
h=12 m=3
